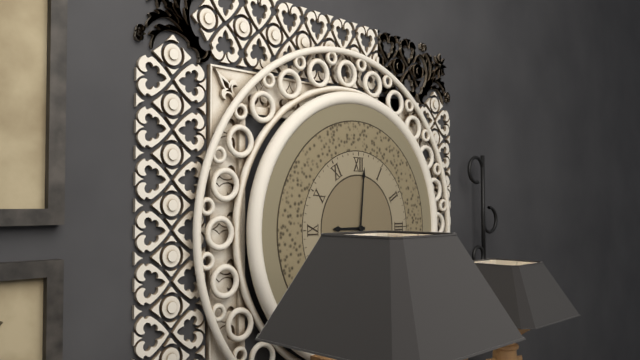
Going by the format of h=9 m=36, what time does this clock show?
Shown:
h=9 m=1
